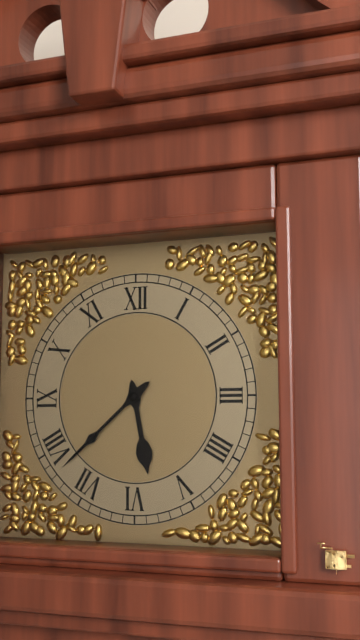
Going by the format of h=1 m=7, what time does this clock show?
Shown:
h=5 m=38
